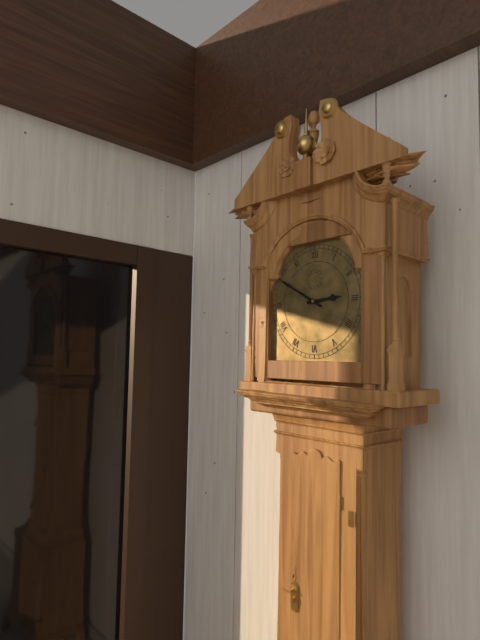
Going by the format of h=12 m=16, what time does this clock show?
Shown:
h=2 m=50
